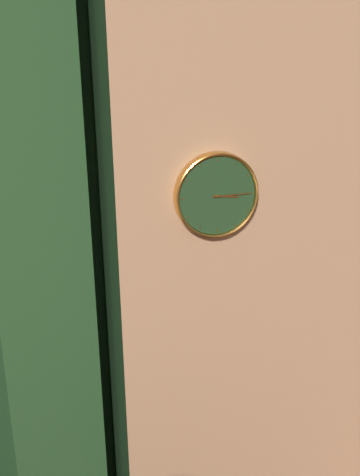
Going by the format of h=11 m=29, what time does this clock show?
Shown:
h=3 m=15
